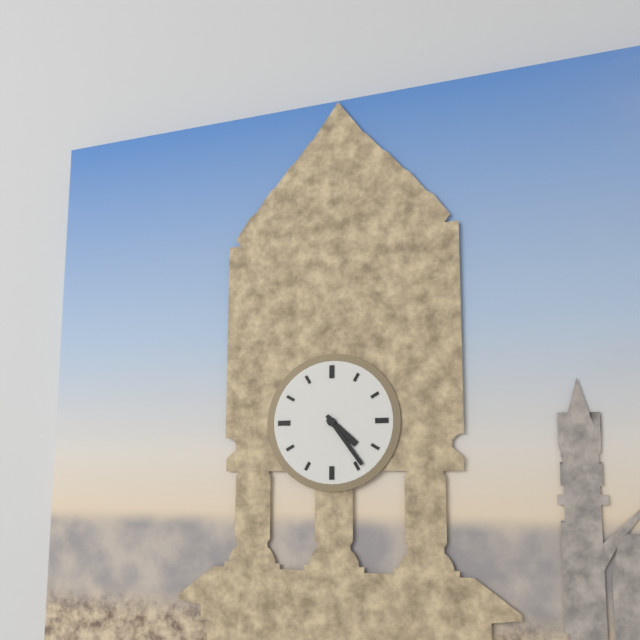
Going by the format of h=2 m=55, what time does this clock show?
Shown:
h=4 m=24
